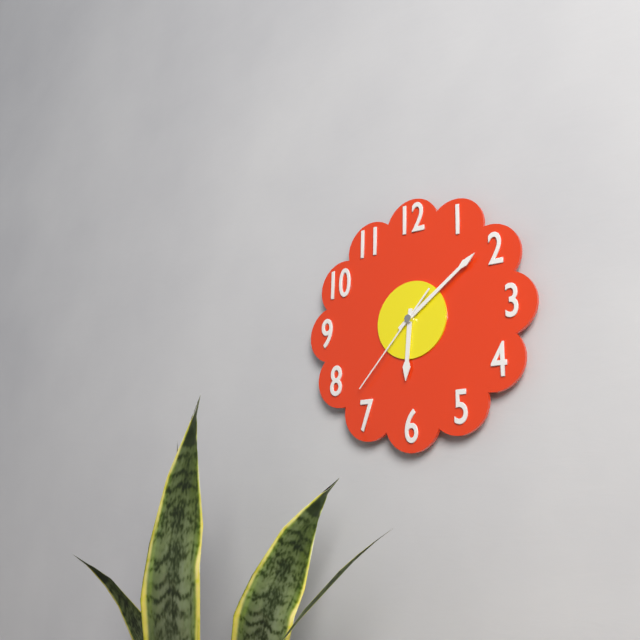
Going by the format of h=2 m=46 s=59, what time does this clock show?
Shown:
h=6 m=9 s=37
